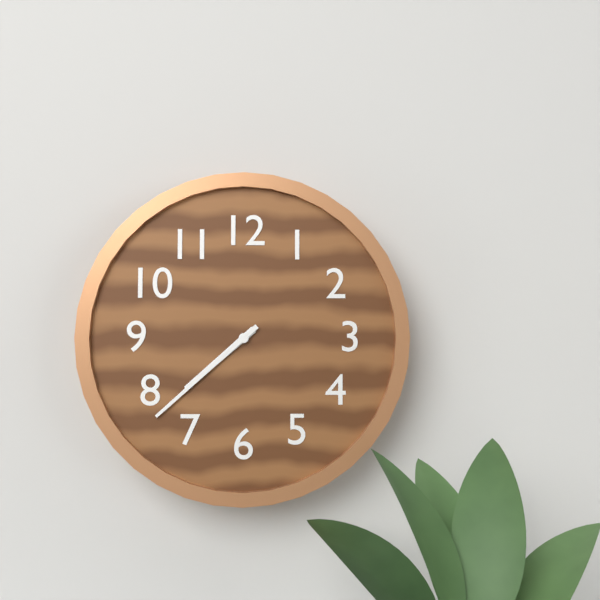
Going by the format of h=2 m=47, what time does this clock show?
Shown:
h=7 m=38
